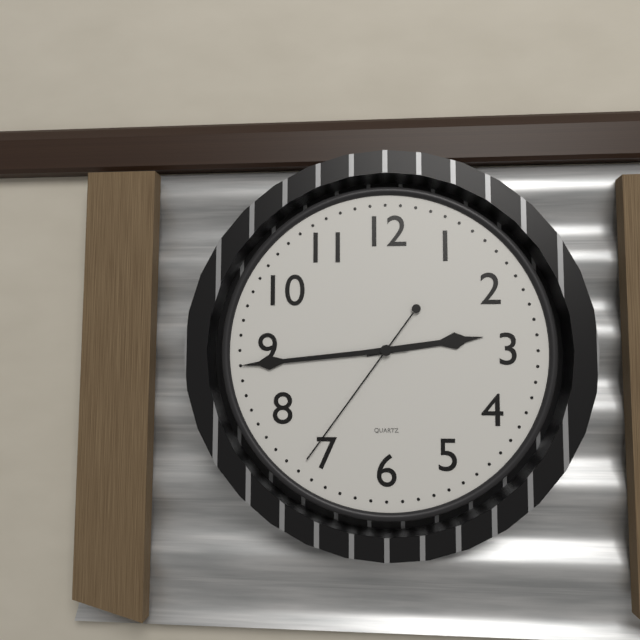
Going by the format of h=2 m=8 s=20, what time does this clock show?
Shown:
h=2 m=44 s=36
